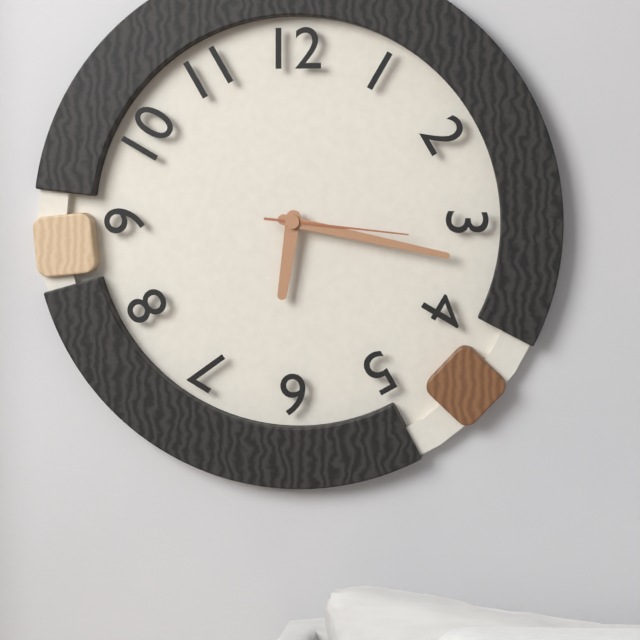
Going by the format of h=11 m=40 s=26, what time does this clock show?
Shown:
h=6 m=17 s=16
